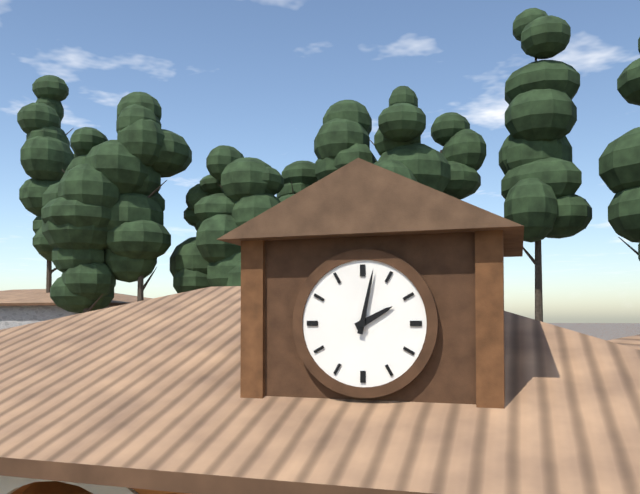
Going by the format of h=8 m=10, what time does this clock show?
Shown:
h=2 m=2
